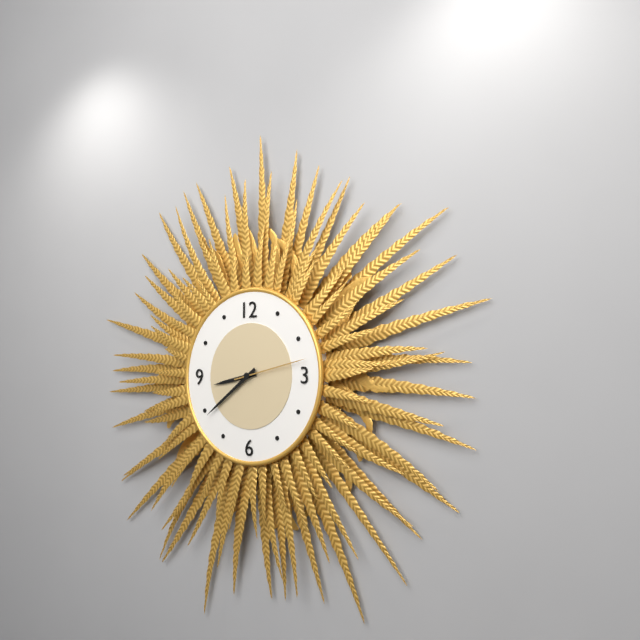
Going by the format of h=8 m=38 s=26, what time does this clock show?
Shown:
h=8 m=39 s=13
